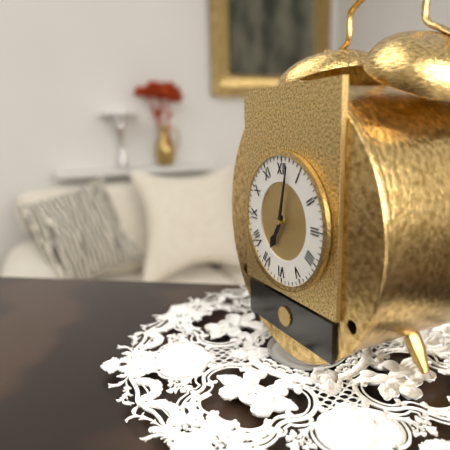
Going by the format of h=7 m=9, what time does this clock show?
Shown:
h=7 m=2
